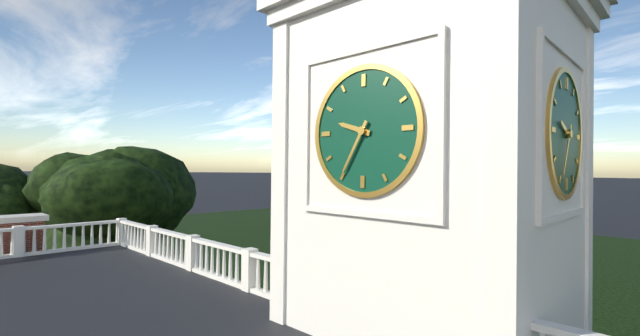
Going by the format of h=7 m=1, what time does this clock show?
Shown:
h=9 m=35
